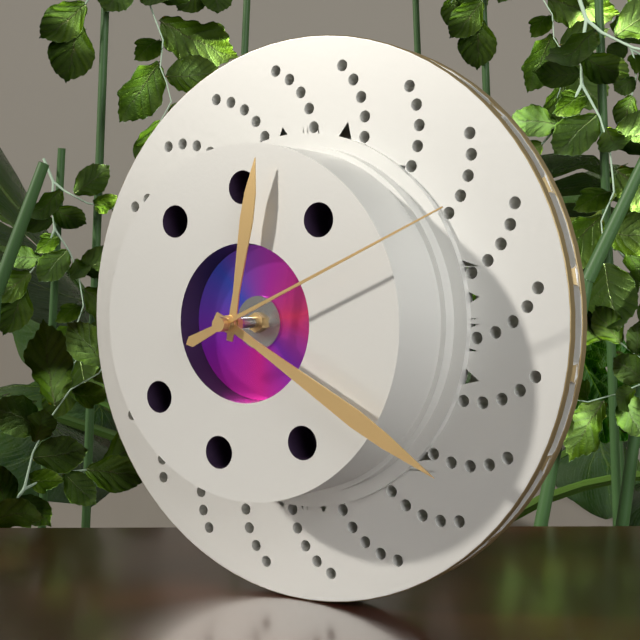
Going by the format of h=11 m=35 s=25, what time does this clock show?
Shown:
h=12 m=20 s=11
